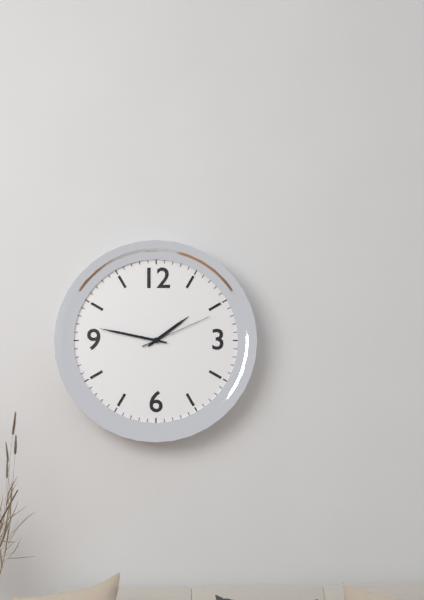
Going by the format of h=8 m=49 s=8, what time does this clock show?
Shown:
h=1 m=47 s=11
